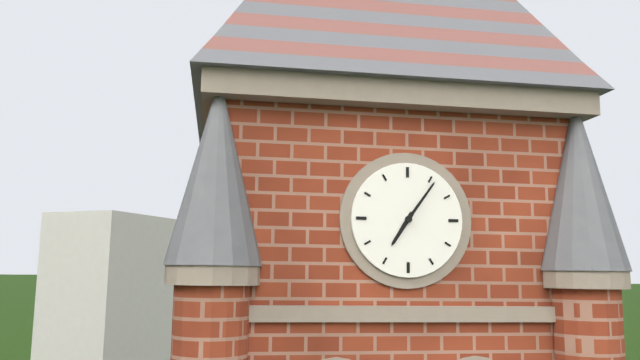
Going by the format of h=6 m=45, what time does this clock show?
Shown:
h=7 m=6
